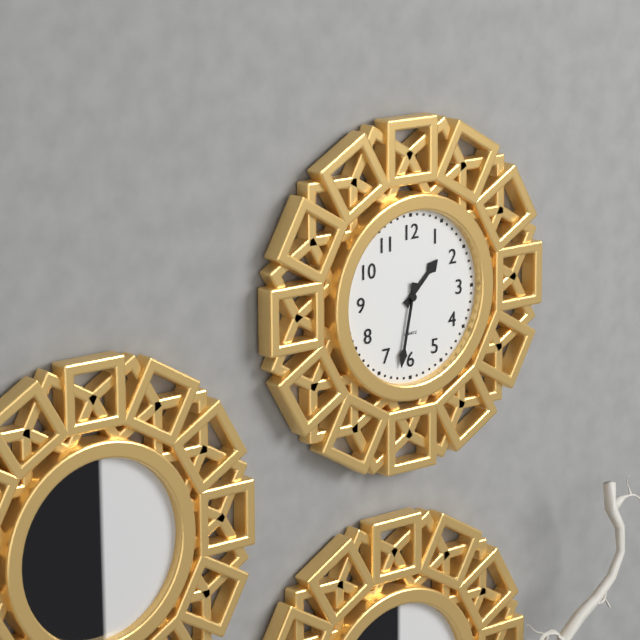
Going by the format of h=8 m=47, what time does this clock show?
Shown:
h=1 m=32
